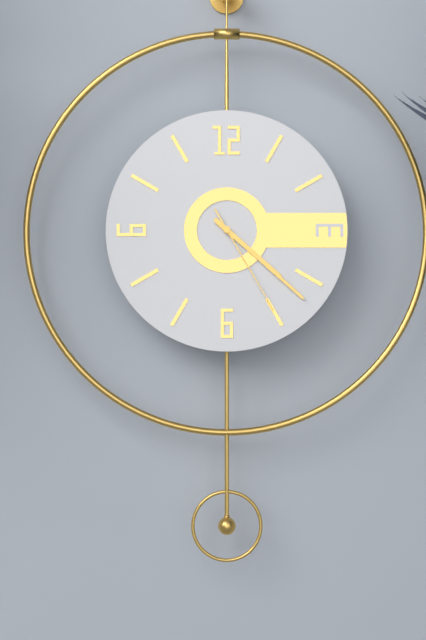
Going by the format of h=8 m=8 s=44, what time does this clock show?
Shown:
h=4 m=22 s=25
